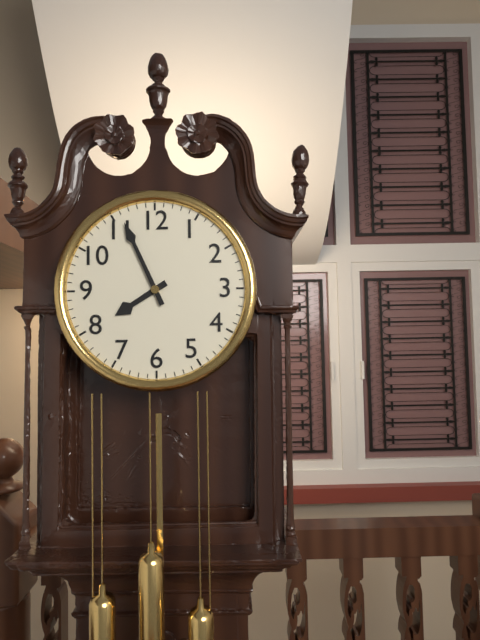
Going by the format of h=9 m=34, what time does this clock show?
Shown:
h=7 m=56
